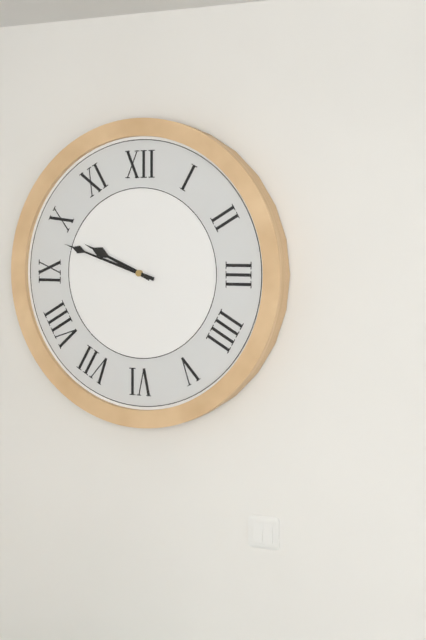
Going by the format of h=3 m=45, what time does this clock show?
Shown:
h=9 m=48
